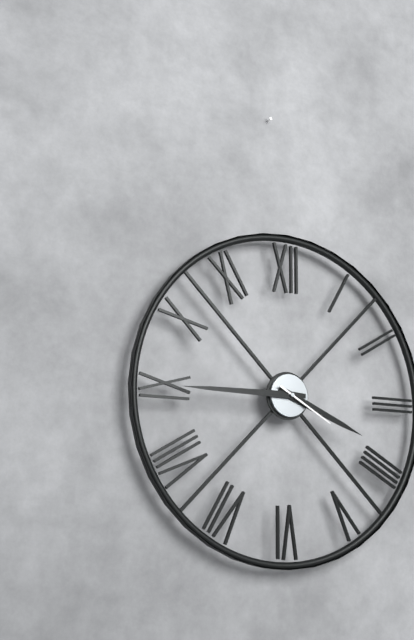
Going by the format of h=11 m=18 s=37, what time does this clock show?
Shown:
h=3 m=45 s=20
